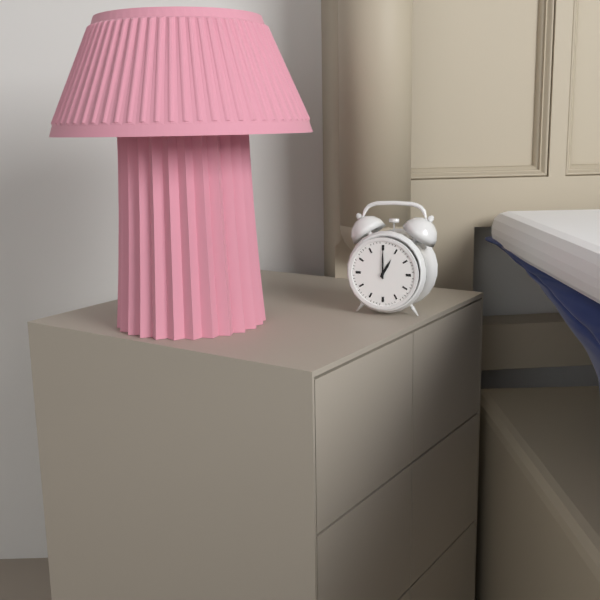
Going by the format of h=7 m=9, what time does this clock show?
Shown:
h=1 m=0
